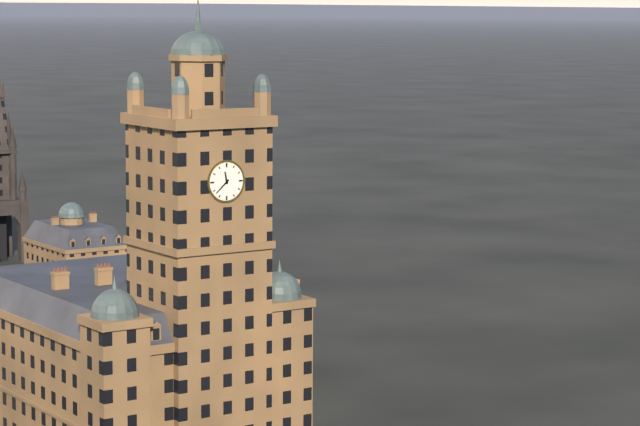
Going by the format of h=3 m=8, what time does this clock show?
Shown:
h=11 m=38
